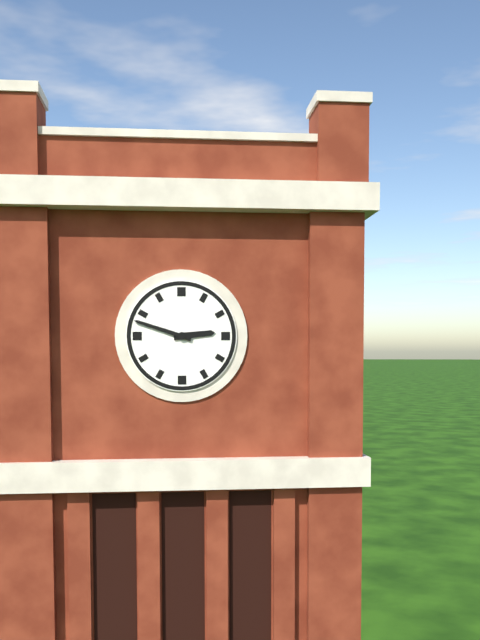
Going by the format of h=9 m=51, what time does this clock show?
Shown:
h=2 m=48
